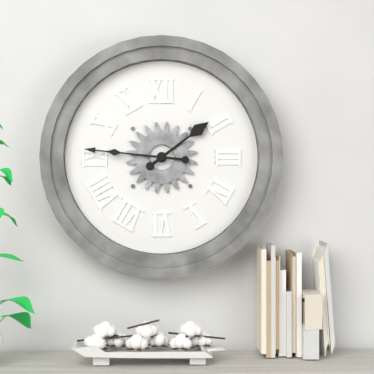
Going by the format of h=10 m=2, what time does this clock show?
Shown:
h=1 m=46
